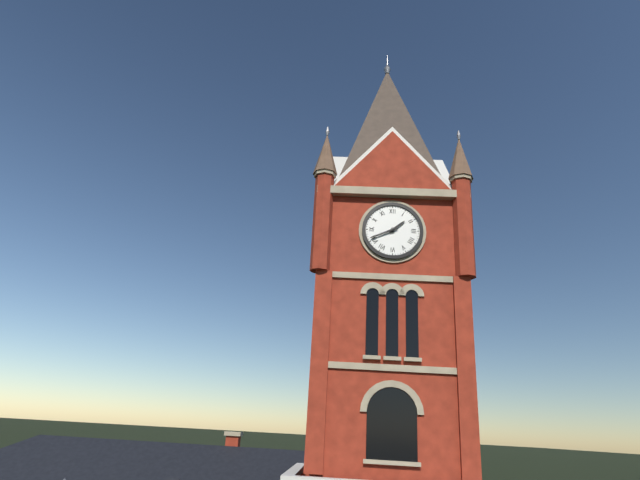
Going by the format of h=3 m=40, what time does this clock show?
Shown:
h=1 m=41
